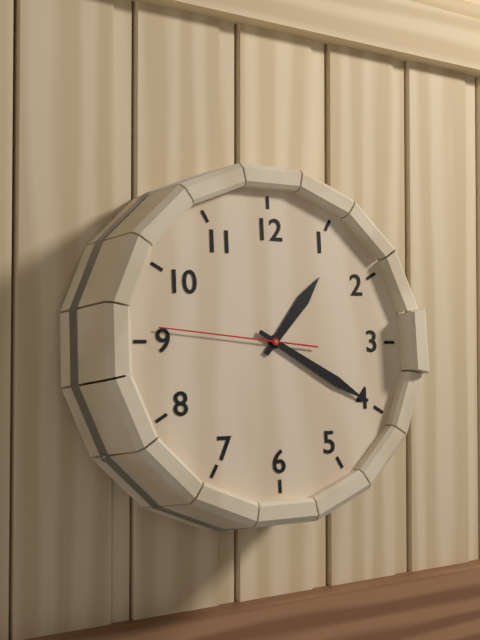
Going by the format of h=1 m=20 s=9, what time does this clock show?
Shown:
h=1 m=20 s=46
